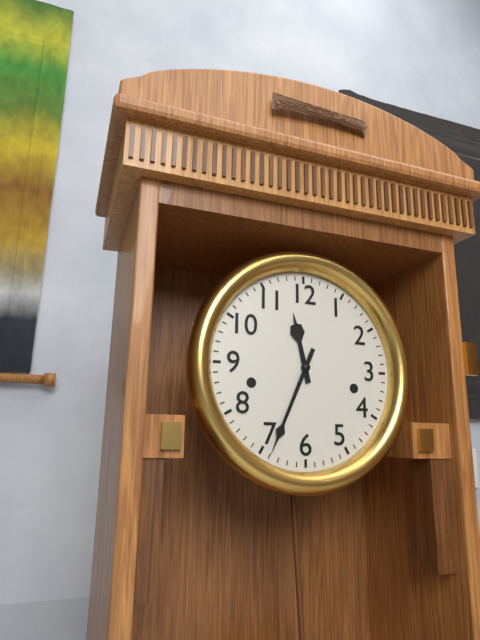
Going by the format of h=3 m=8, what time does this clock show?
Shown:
h=11 m=34
